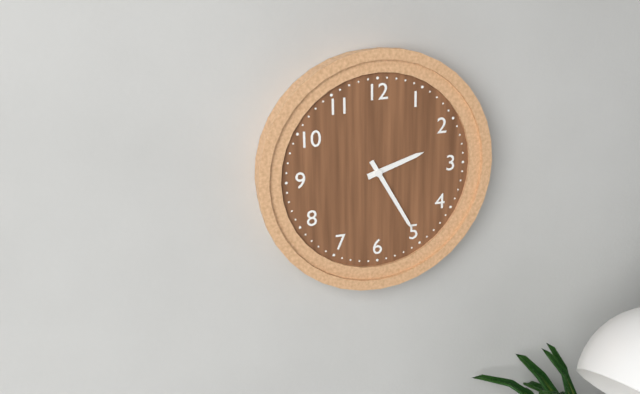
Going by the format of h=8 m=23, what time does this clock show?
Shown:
h=2 m=25
